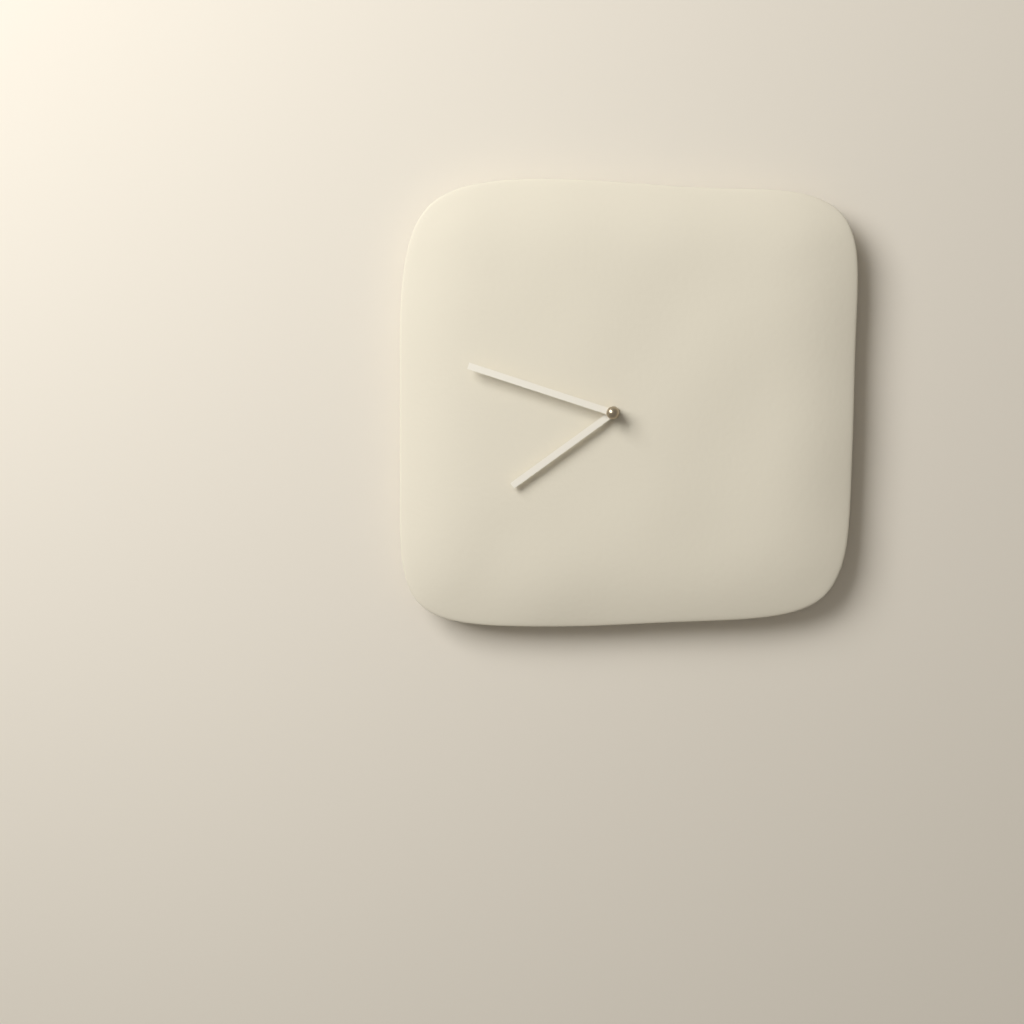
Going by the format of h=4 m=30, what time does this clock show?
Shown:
h=7 m=48
